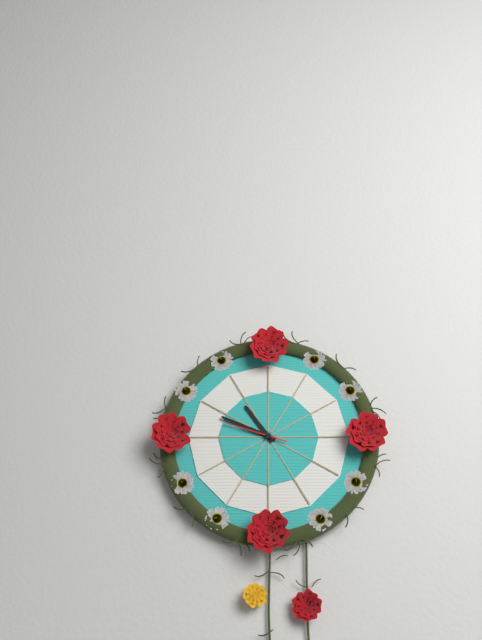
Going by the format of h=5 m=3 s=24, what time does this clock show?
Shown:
h=10 m=49 s=48
